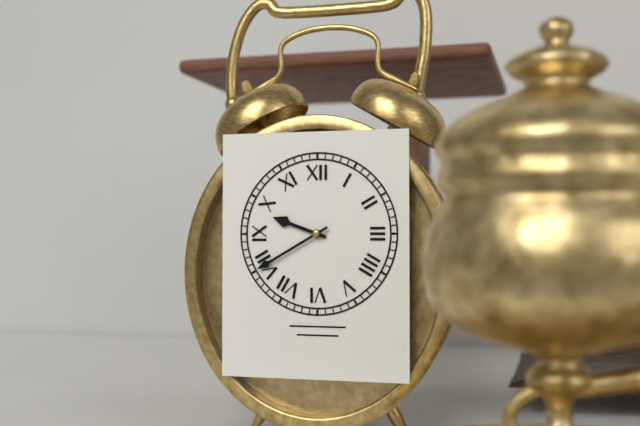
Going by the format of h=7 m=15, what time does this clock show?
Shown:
h=9 m=40
